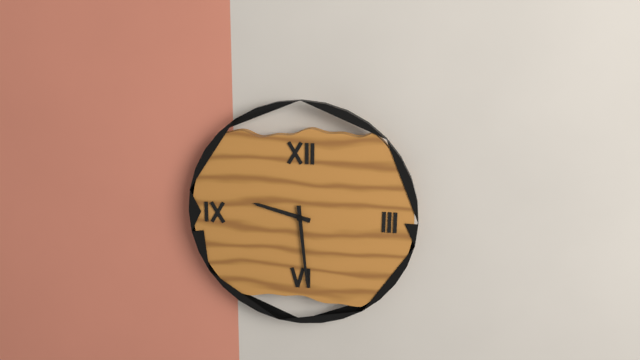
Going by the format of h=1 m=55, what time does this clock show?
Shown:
h=9 m=29
